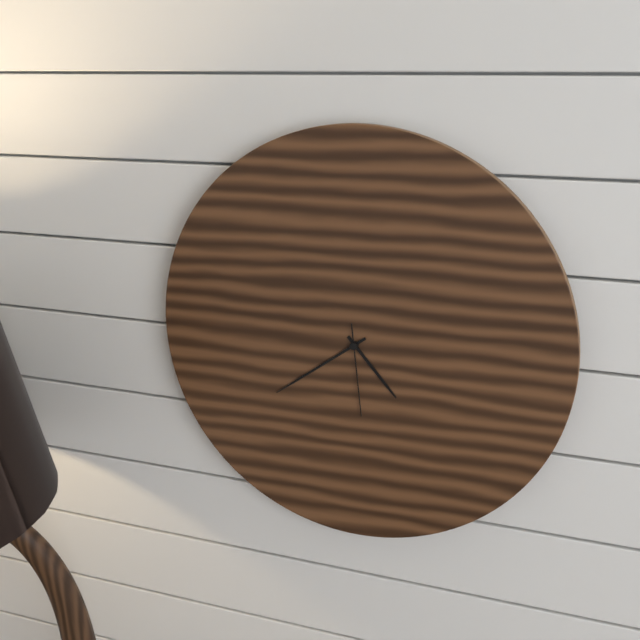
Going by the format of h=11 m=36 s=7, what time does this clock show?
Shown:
h=4 m=39 s=29
